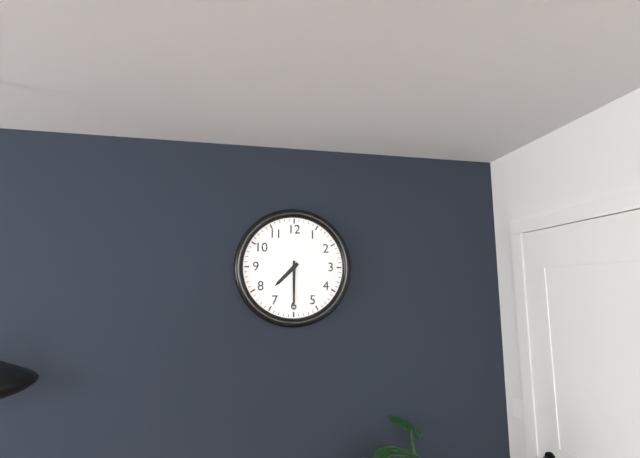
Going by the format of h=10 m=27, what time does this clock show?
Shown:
h=7 m=30
